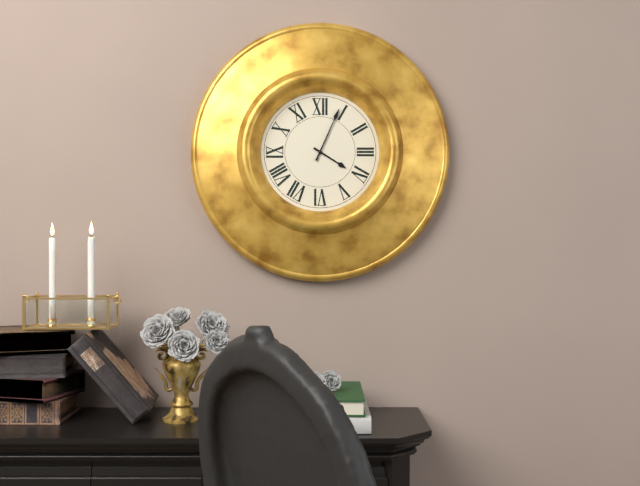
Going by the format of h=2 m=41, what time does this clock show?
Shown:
h=4 m=4
